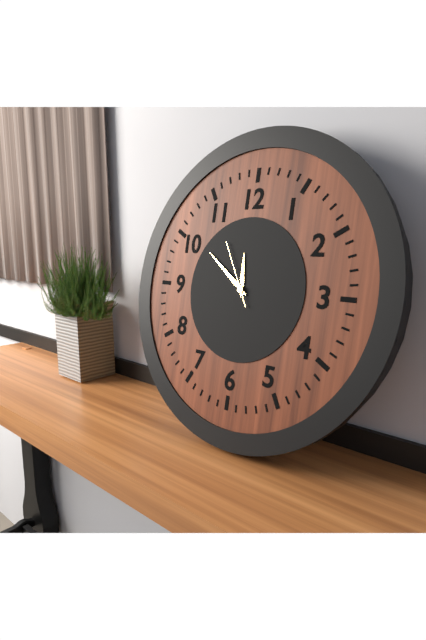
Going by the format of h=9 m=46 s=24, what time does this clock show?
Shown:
h=11 m=51 s=55
